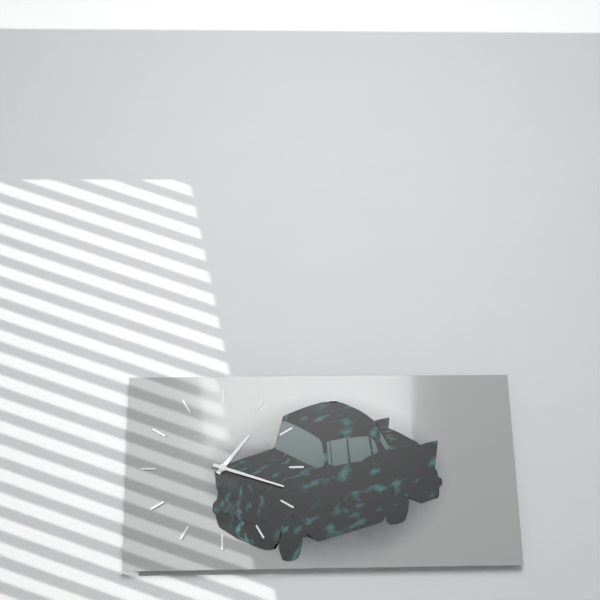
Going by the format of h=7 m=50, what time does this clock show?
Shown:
h=1 m=18
